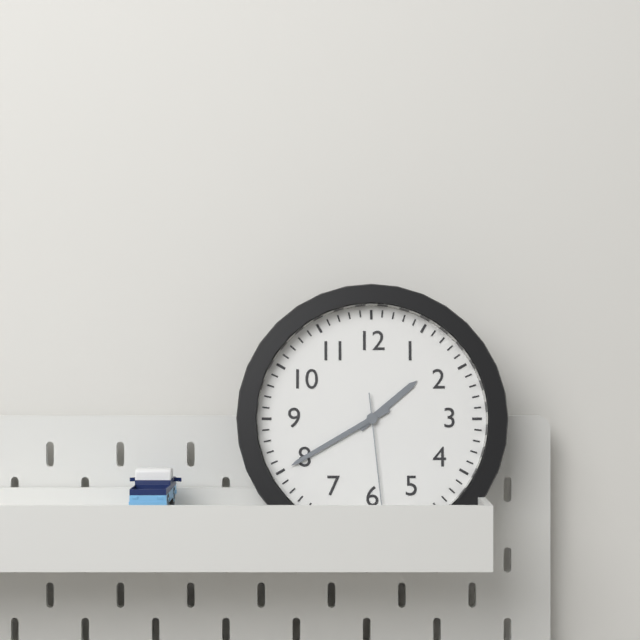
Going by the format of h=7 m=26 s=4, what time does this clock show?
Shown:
h=1 m=40 s=29
